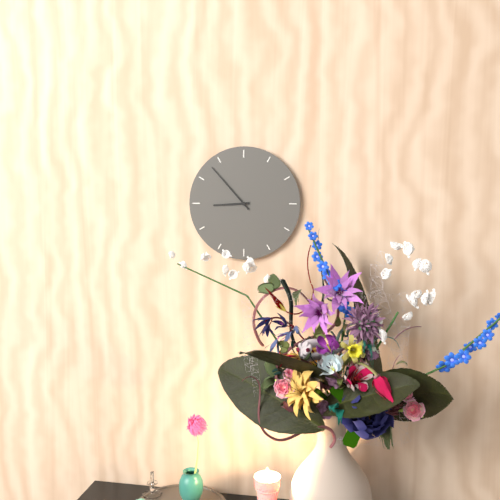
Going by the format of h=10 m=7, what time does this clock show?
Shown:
h=8 m=53
